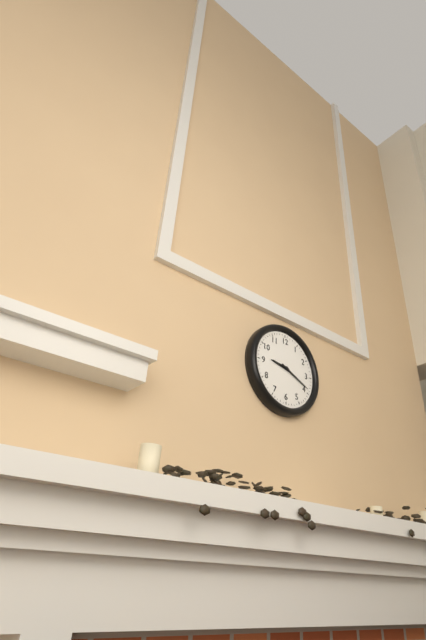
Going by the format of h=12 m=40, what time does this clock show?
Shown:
h=9 m=19
